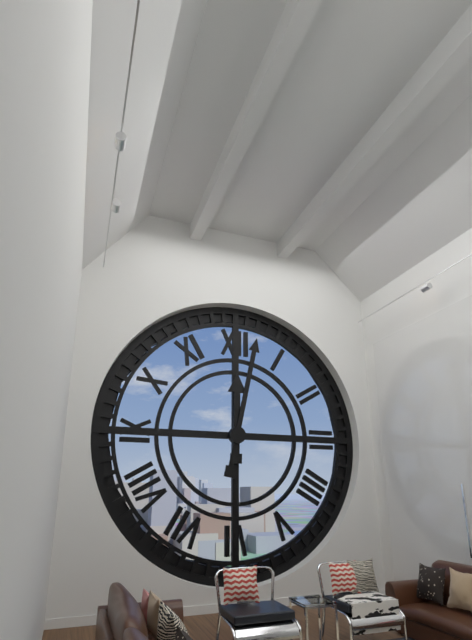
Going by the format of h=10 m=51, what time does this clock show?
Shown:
h=12 m=2
